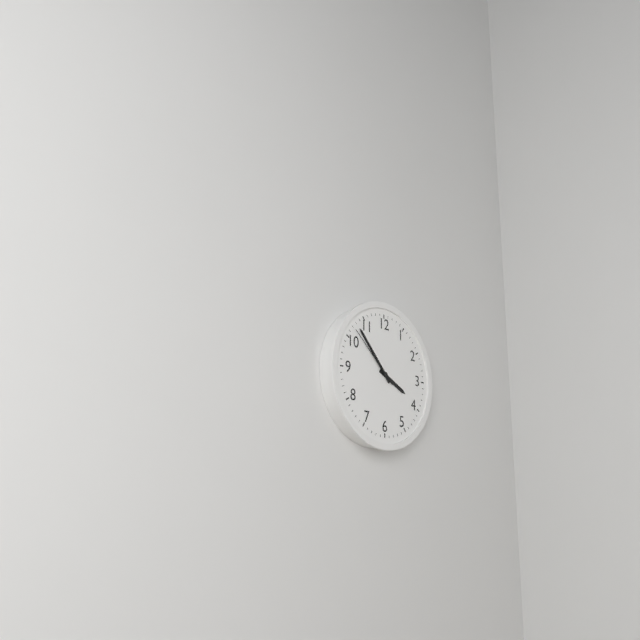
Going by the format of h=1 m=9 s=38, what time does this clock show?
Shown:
h=3 m=53 s=52
